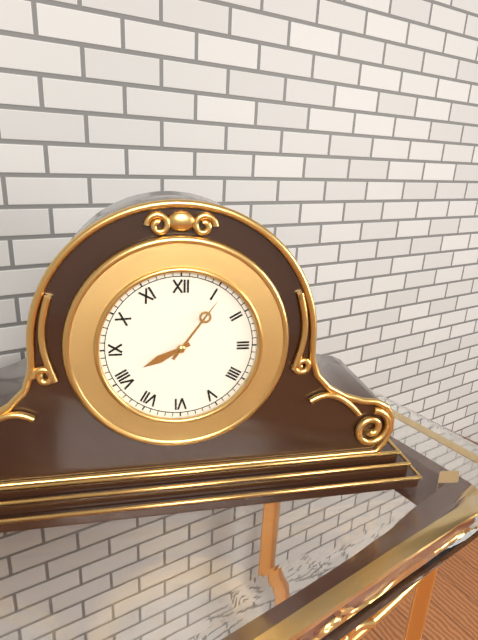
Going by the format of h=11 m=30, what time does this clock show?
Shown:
h=8 m=6
